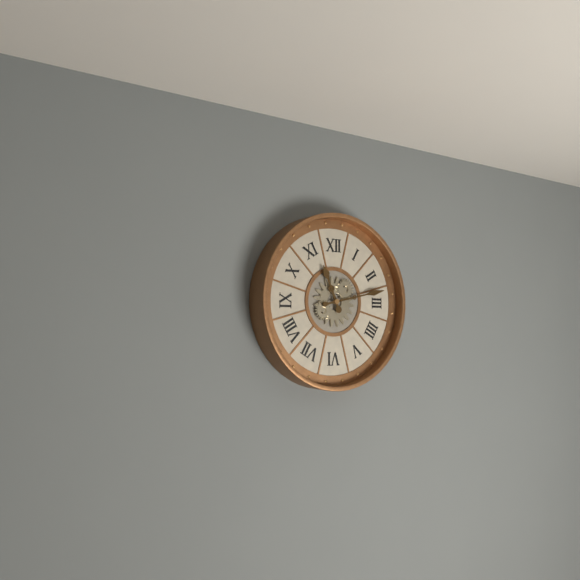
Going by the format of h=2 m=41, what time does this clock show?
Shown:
h=11 m=13
